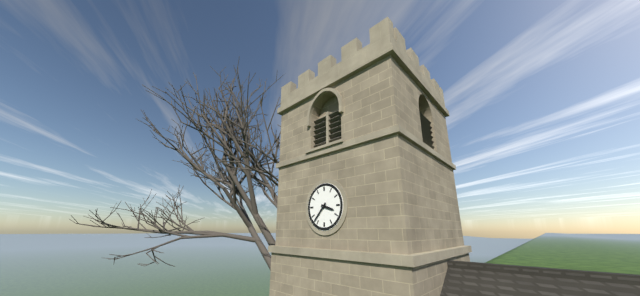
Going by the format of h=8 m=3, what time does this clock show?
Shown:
h=3 m=37
